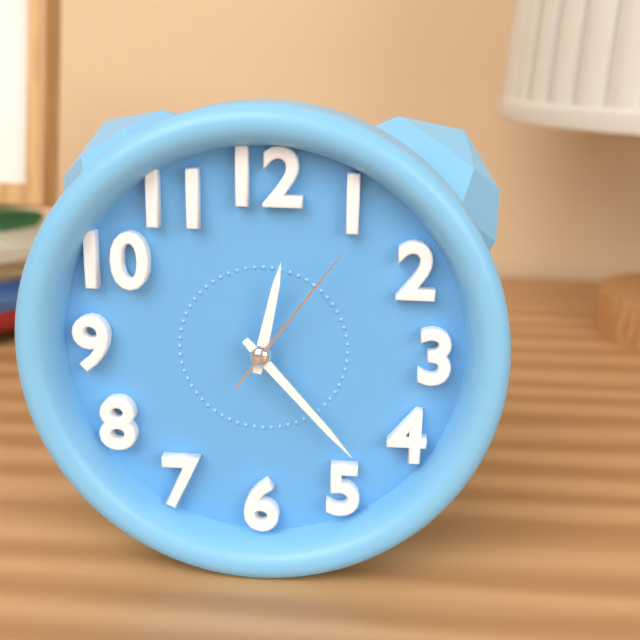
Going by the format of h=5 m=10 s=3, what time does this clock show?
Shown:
h=12 m=23 s=6
